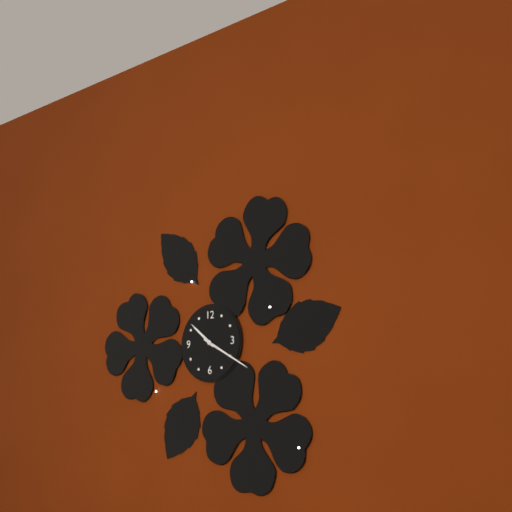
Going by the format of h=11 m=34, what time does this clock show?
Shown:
h=10 m=20
